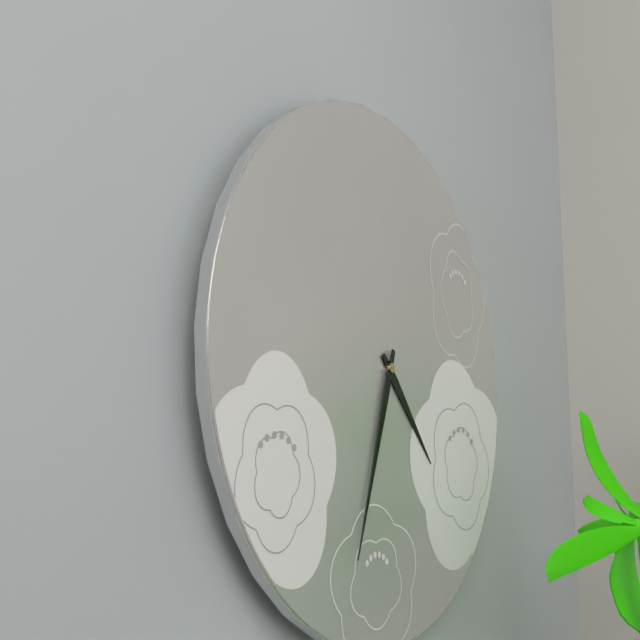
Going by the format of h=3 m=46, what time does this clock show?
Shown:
h=4 m=33
